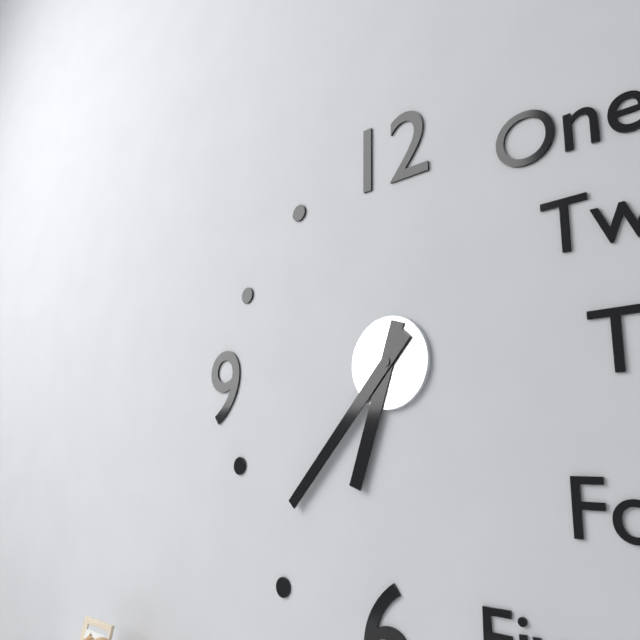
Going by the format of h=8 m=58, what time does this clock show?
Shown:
h=6 m=37
